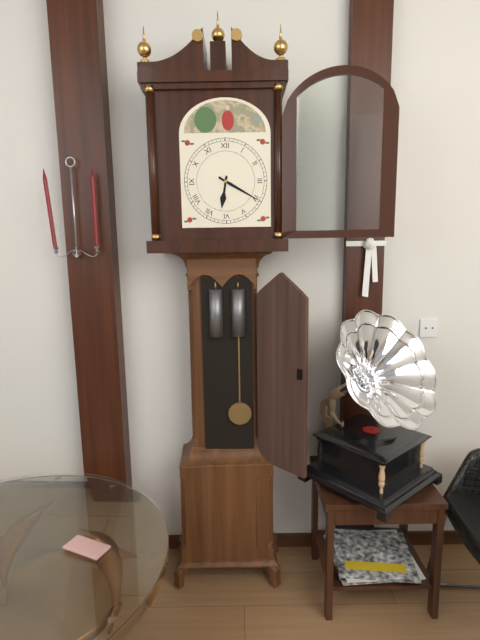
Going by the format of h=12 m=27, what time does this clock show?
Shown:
h=6 m=20
